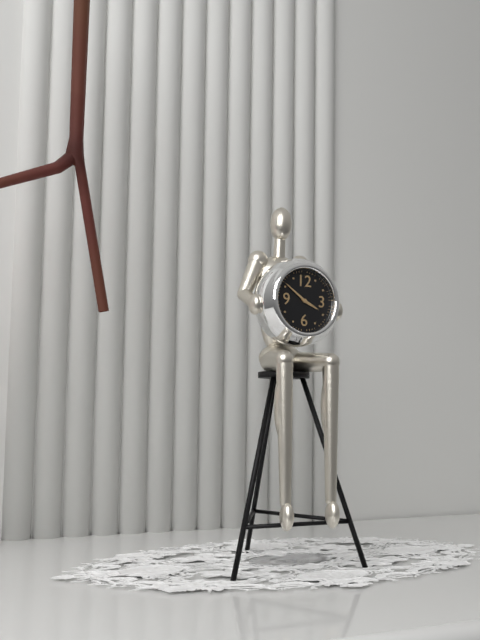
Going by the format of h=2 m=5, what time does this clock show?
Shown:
h=3 m=51
